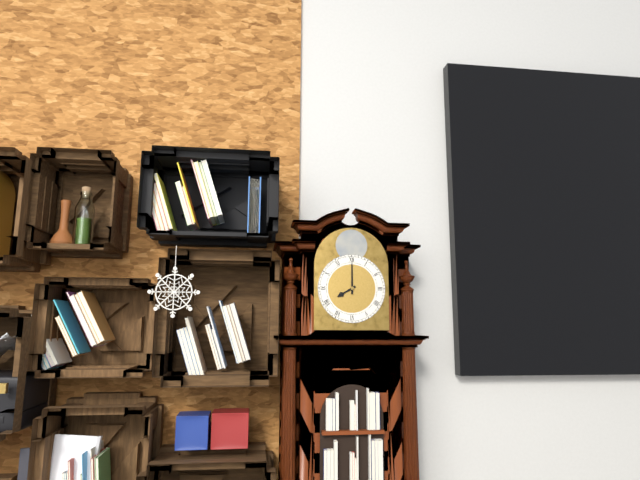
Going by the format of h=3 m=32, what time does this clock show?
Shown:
h=8 m=0
